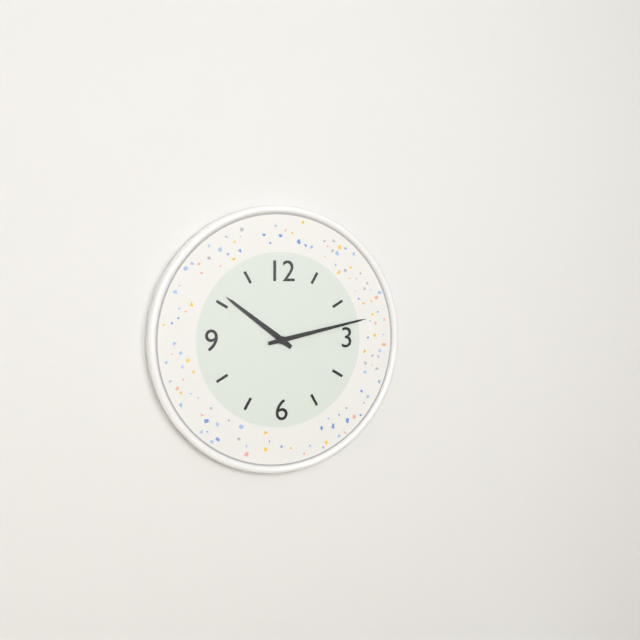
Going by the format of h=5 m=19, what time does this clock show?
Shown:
h=10 m=13
